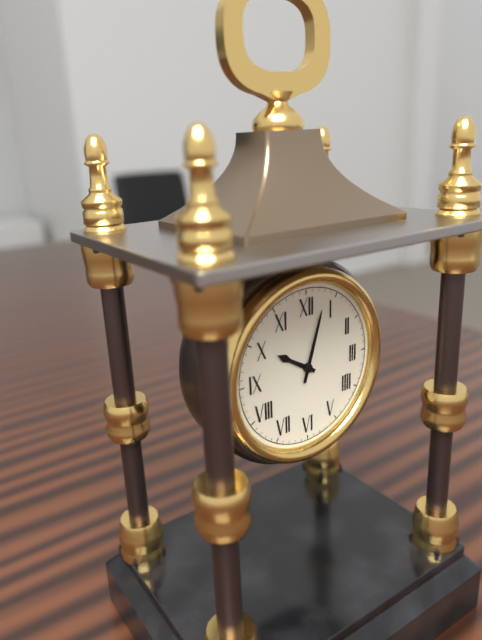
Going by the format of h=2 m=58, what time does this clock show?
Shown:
h=10 m=3
